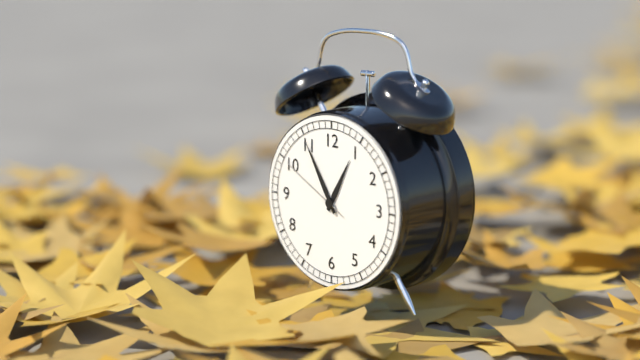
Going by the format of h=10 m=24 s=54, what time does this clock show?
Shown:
h=12 m=55 s=50
